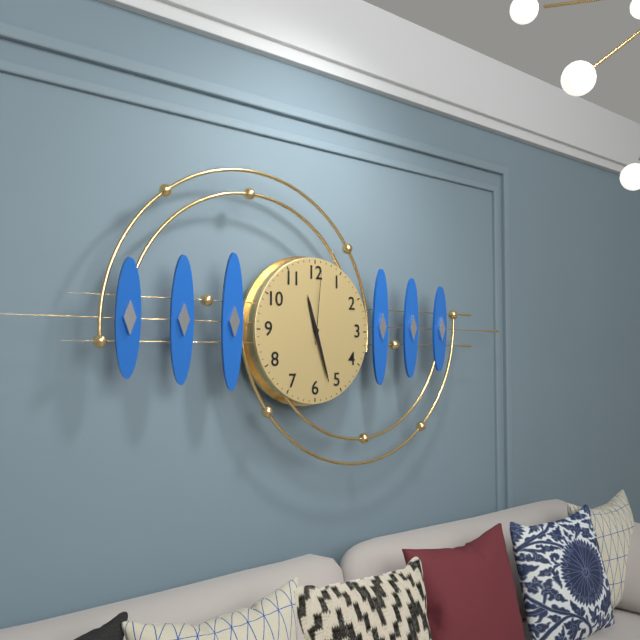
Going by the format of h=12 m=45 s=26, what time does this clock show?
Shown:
h=11 m=27 s=1
